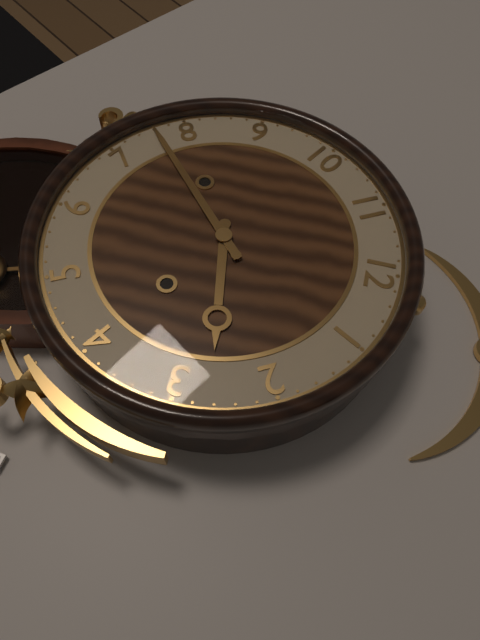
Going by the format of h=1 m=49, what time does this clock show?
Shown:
h=2 m=38
